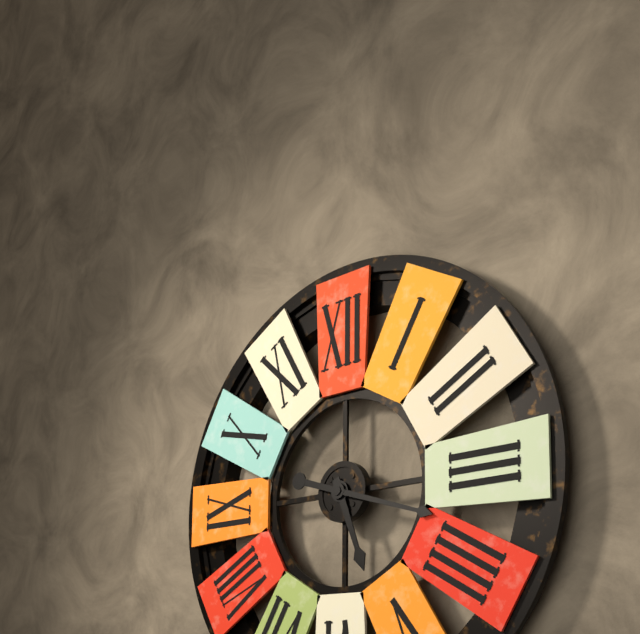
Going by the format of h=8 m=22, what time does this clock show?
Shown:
h=5 m=18
